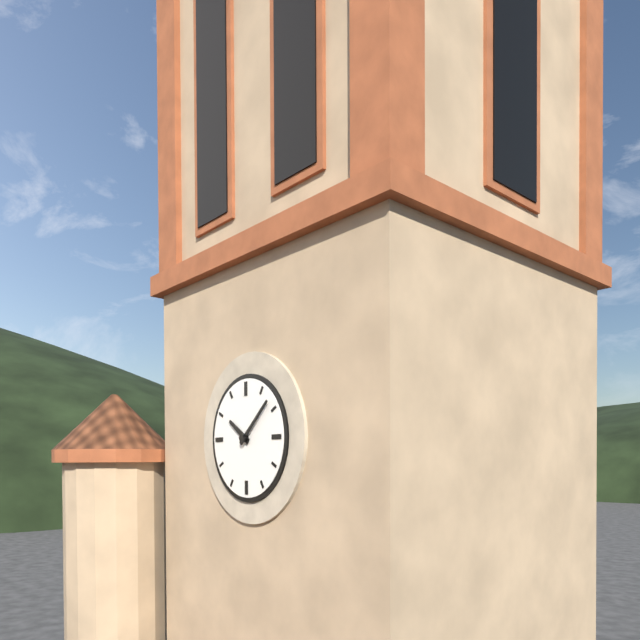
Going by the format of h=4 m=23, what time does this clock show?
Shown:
h=10 m=8
